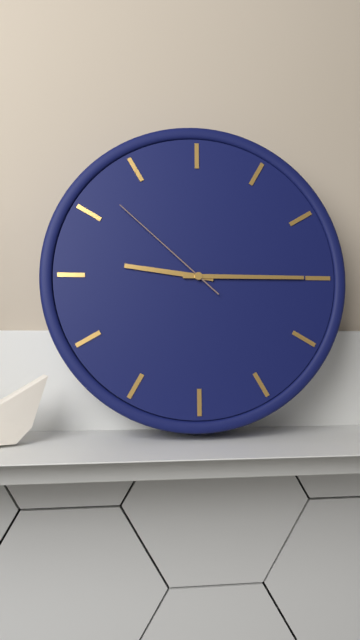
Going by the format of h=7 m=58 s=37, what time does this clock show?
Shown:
h=9 m=15 s=52
